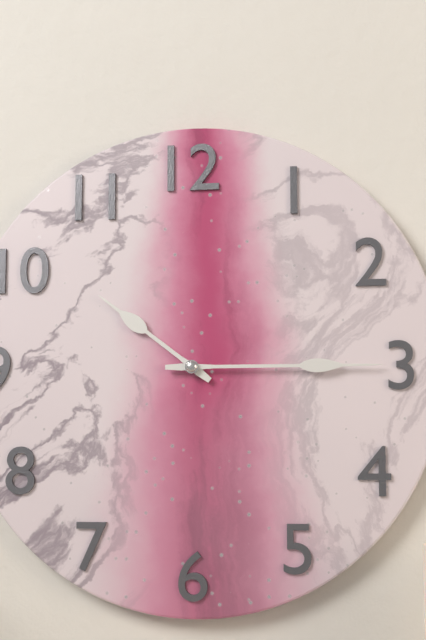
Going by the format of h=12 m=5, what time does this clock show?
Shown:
h=10 m=15
